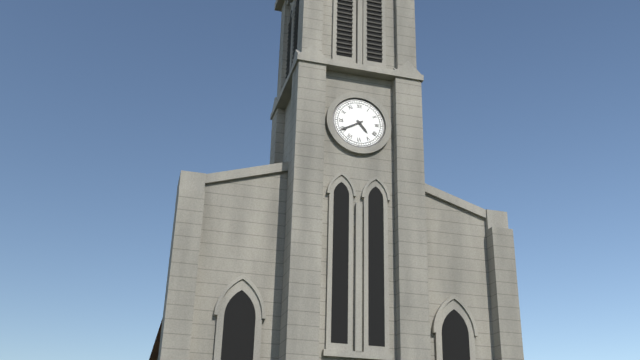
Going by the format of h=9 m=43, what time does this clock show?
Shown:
h=4 m=40
